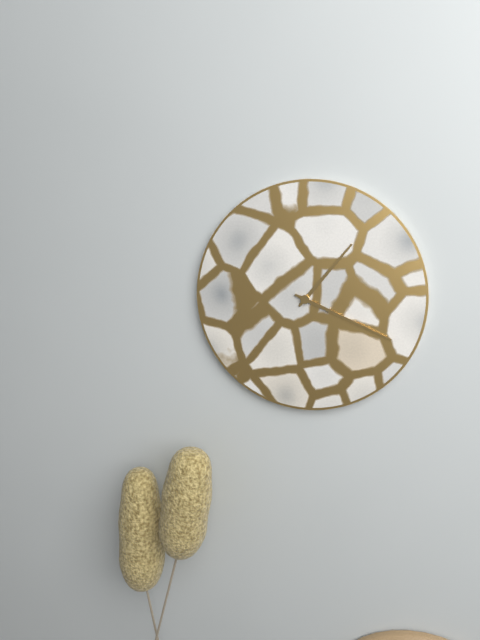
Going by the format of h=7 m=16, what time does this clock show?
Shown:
h=1 m=19
